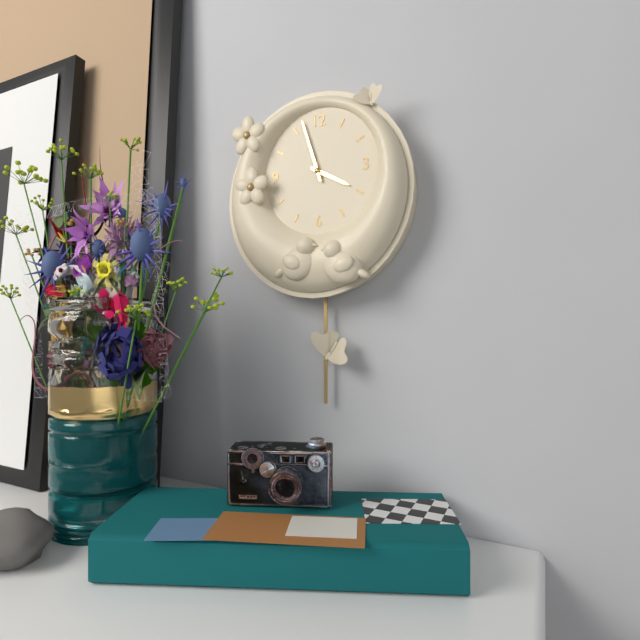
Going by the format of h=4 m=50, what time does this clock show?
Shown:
h=3 m=57
